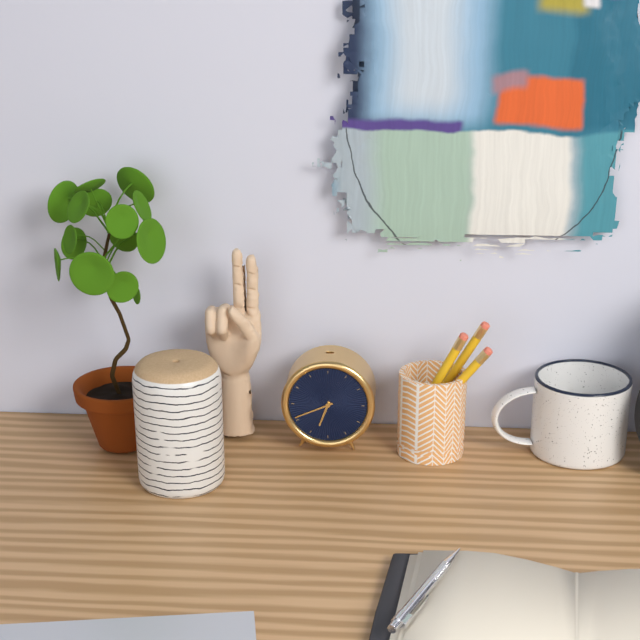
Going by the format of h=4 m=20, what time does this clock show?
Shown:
h=6 m=41
